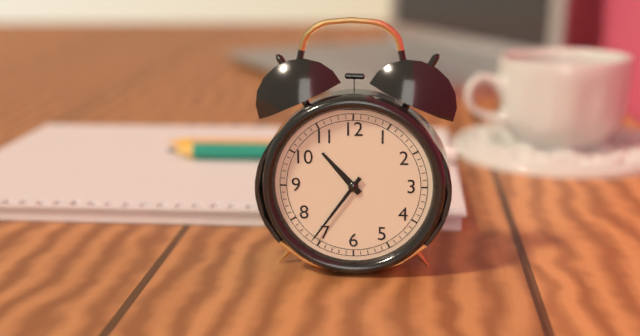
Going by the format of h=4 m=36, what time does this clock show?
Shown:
h=10 m=36
